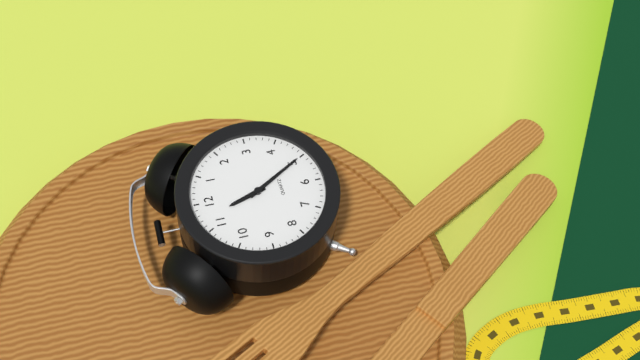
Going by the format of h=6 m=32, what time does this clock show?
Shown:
h=11 m=25
